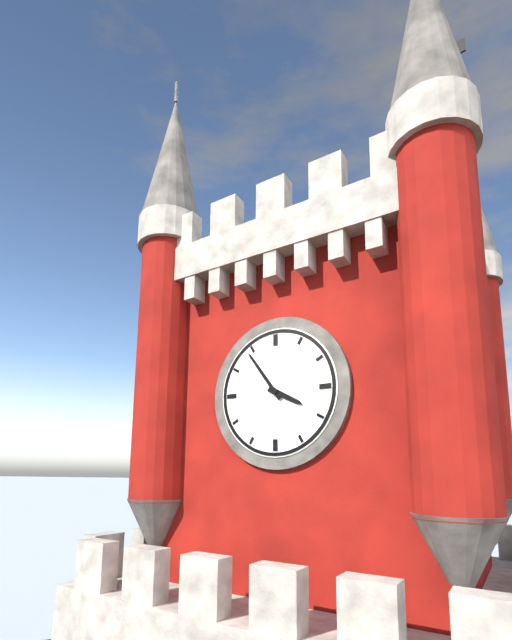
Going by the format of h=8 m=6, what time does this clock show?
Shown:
h=3 m=54
